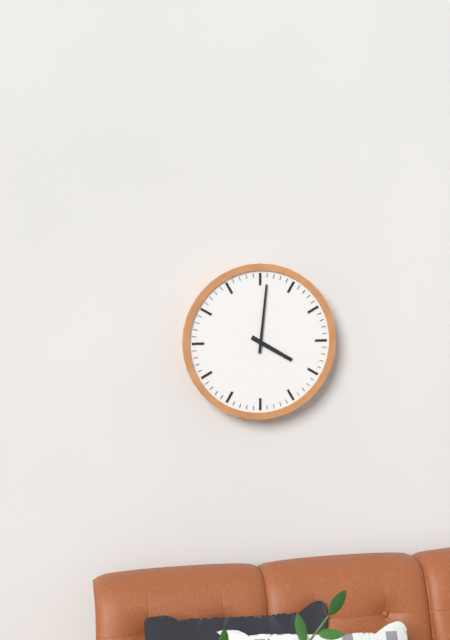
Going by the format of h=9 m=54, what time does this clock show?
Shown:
h=4 m=1
